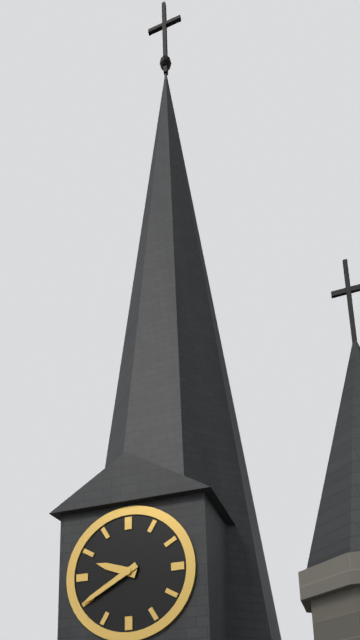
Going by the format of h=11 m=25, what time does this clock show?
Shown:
h=9 m=40
